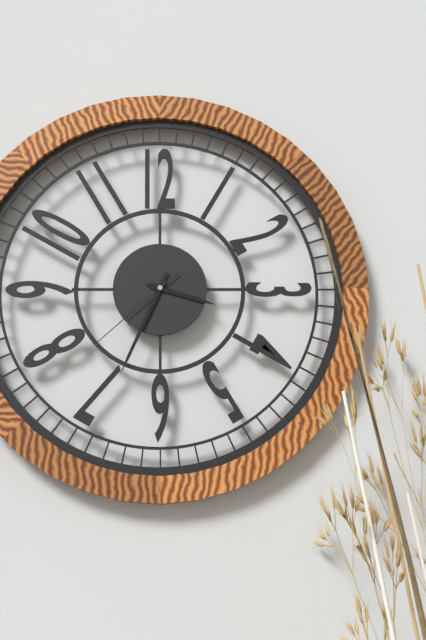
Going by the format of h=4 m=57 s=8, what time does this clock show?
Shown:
h=3 m=34 s=38
